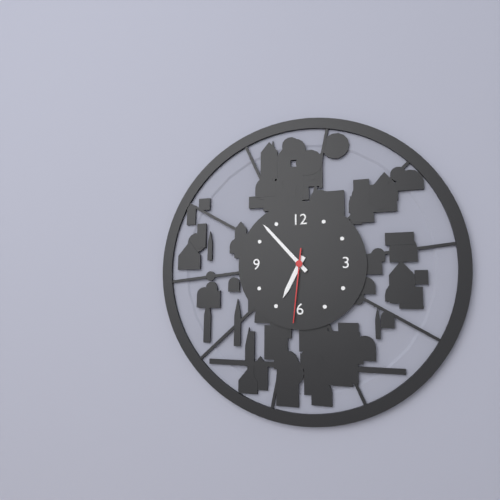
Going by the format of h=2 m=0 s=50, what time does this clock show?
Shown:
h=6 m=53 s=31
